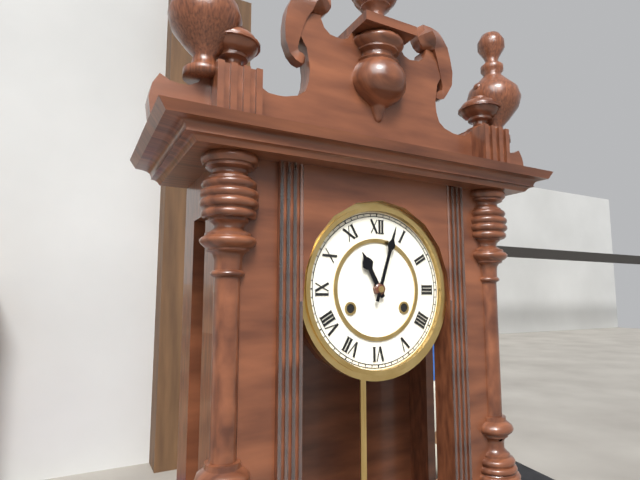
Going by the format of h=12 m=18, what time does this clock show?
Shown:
h=11 m=3
